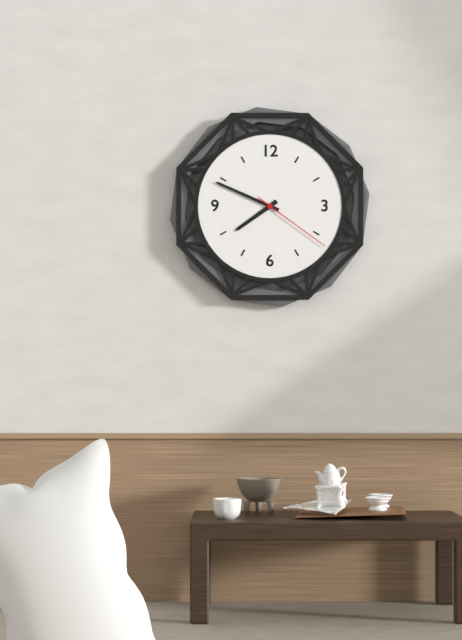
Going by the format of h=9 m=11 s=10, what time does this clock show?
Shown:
h=7 m=49 s=21
